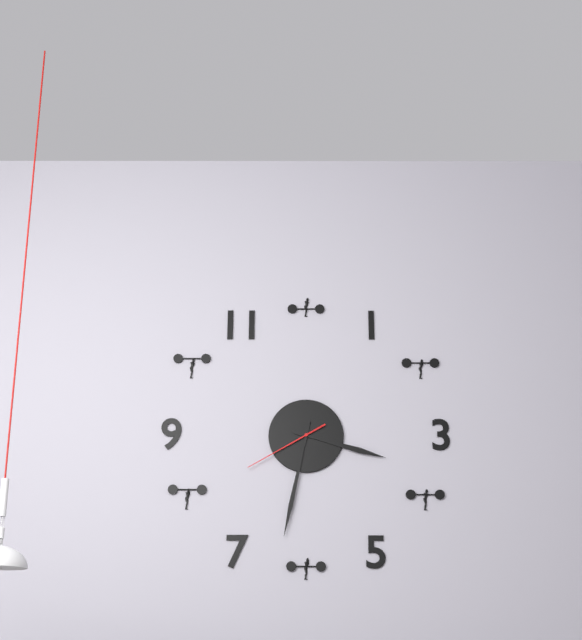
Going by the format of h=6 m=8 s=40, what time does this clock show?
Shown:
h=3 m=32 s=40
